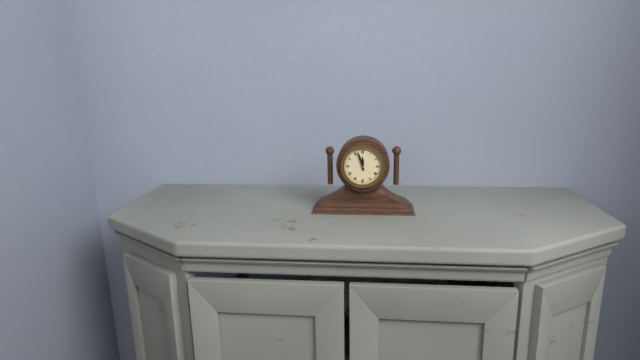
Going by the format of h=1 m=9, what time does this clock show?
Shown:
h=11 m=57
